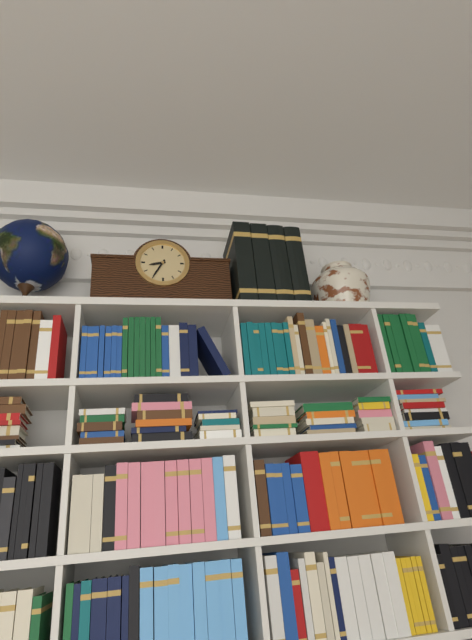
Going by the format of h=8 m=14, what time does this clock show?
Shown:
h=8 m=35
